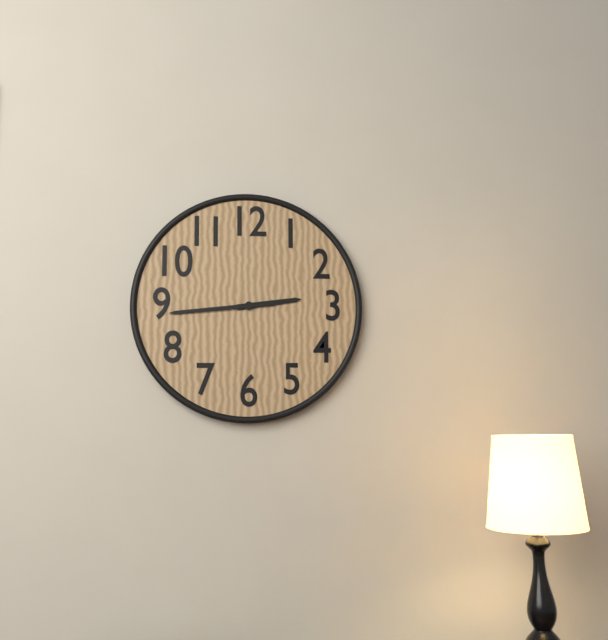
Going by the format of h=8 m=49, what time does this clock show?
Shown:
h=2 m=44
